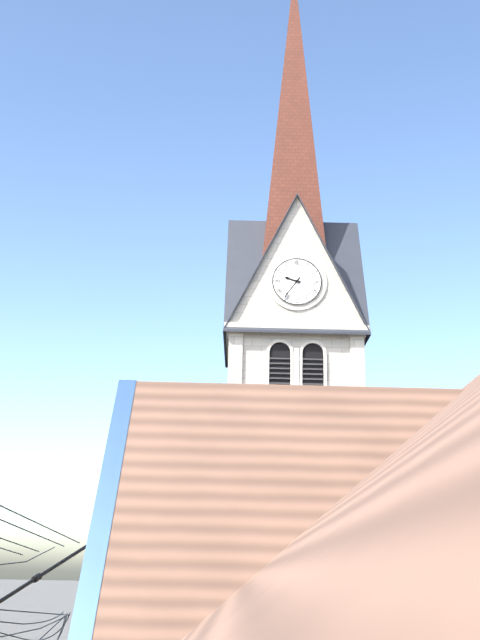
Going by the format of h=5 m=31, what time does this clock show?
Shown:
h=9 m=36
